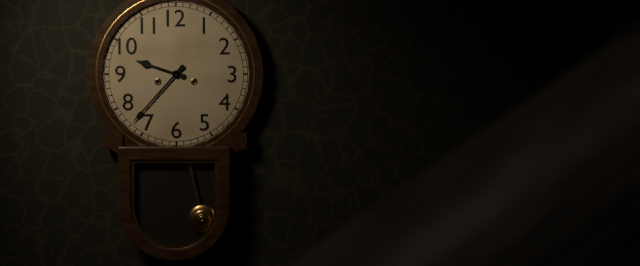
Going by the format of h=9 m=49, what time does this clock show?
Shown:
h=9 m=37
